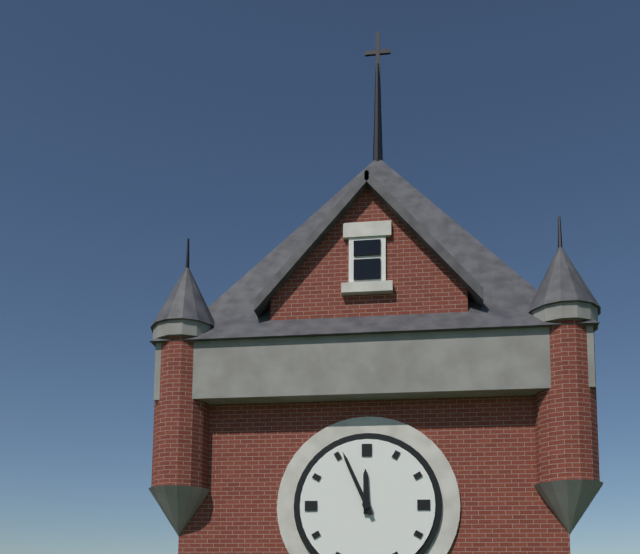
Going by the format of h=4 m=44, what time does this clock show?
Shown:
h=11 m=56
